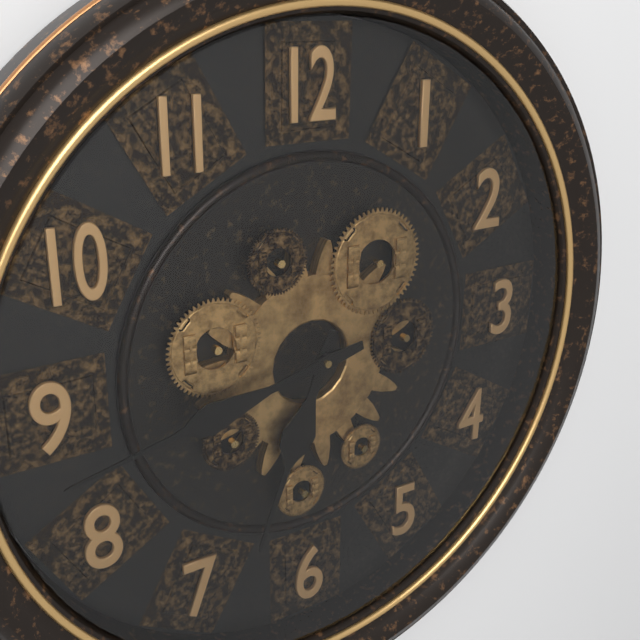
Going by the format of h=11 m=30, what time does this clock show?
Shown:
h=6 m=43
